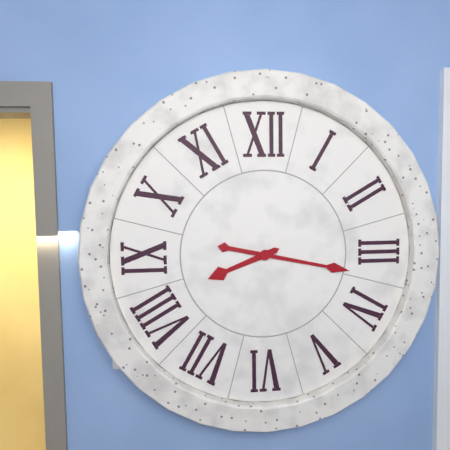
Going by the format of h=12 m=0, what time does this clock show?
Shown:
h=8 m=17
